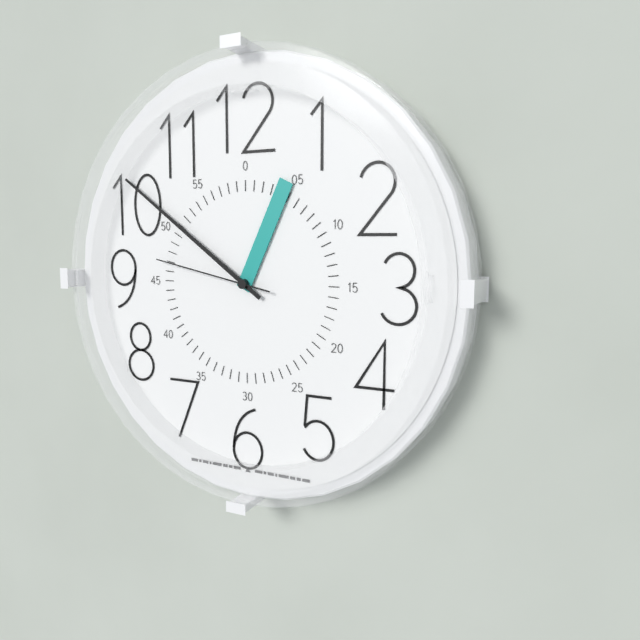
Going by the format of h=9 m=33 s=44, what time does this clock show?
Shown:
h=12 m=51 s=47
